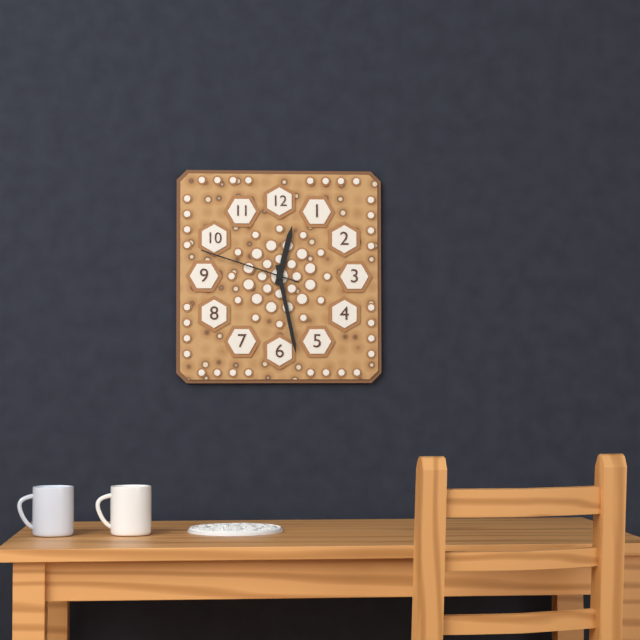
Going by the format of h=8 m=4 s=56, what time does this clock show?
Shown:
h=12 m=28 s=48
